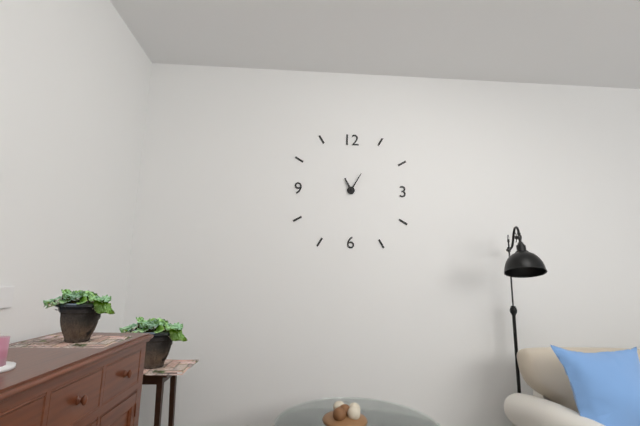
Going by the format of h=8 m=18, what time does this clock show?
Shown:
h=11 m=5
